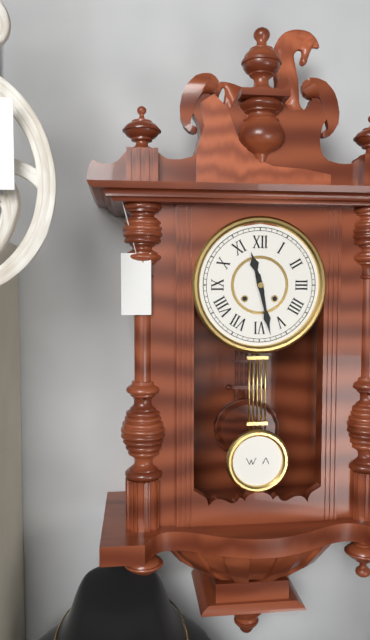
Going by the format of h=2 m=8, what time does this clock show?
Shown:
h=11 m=28
